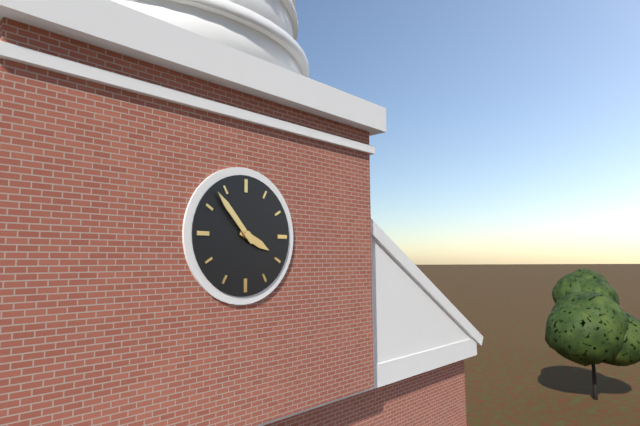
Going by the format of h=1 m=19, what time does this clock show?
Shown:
h=3 m=53
